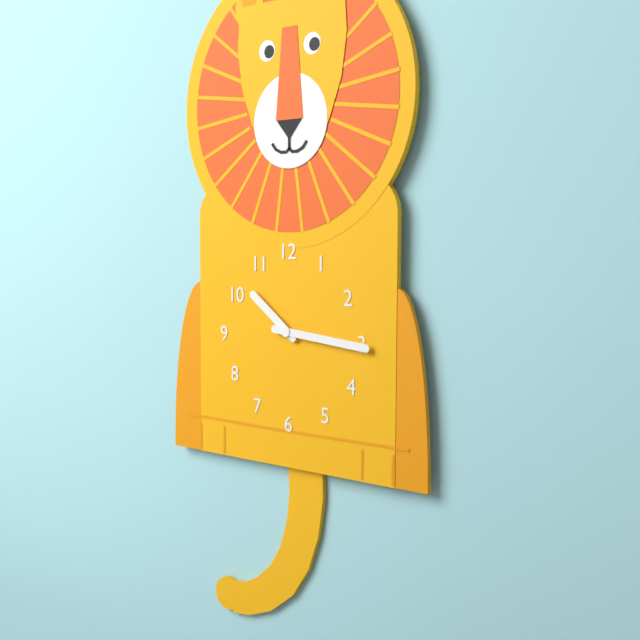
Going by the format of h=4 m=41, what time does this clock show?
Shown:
h=10 m=16
